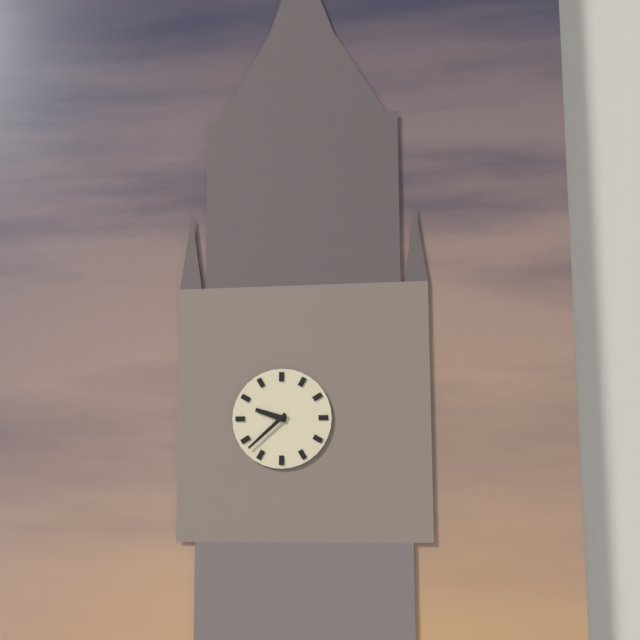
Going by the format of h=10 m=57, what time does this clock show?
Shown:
h=9 m=38
